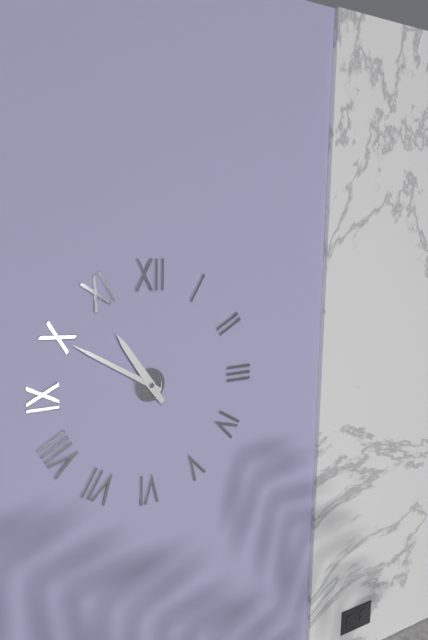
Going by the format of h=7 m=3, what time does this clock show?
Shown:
h=10 m=50
